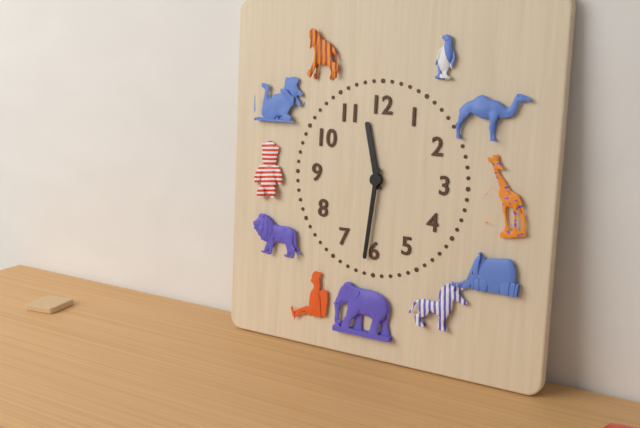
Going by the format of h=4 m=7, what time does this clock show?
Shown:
h=11 m=31
